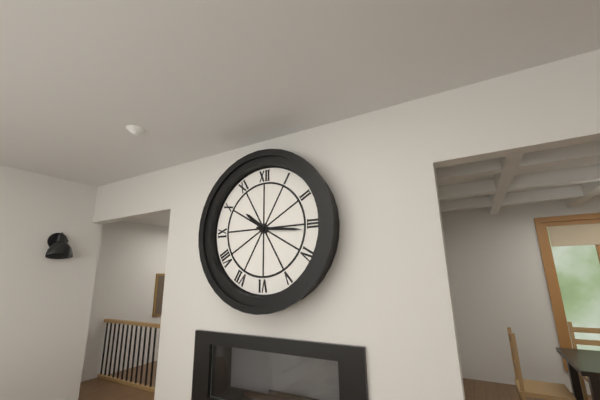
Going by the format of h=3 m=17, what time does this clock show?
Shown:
h=10 m=16
